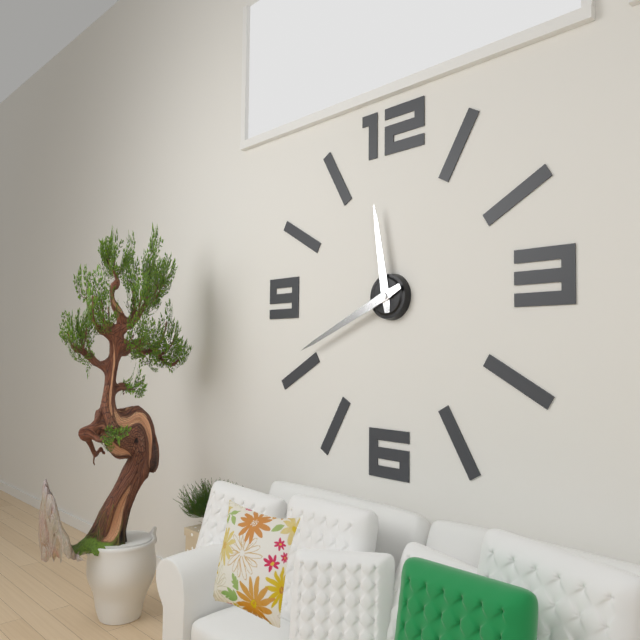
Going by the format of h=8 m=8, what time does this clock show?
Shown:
h=11 m=41
